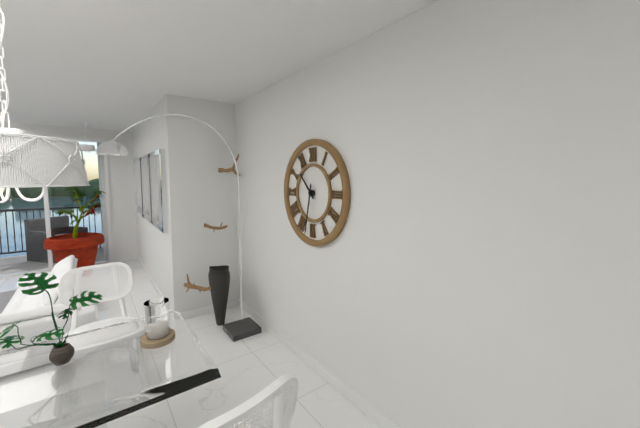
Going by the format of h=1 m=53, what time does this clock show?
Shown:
h=10 m=32
